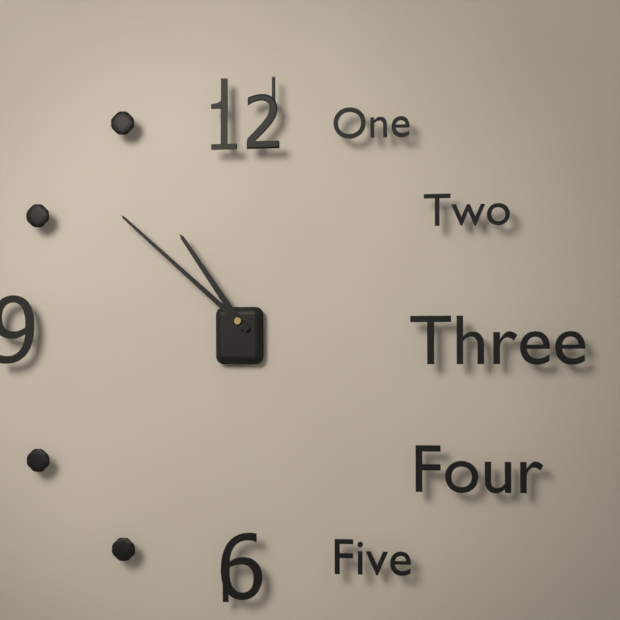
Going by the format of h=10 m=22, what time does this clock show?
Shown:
h=10 m=52
